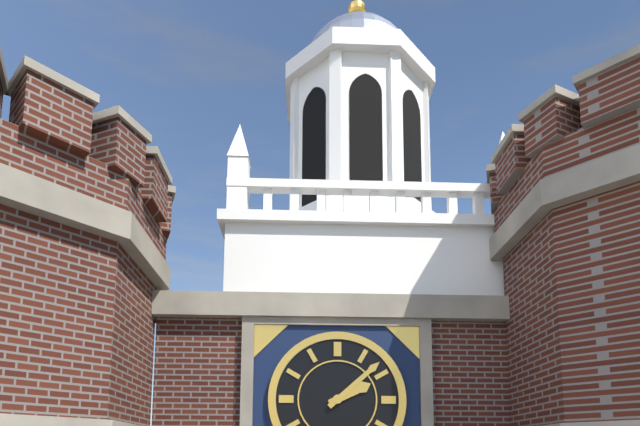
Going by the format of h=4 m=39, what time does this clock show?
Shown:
h=2 m=8
